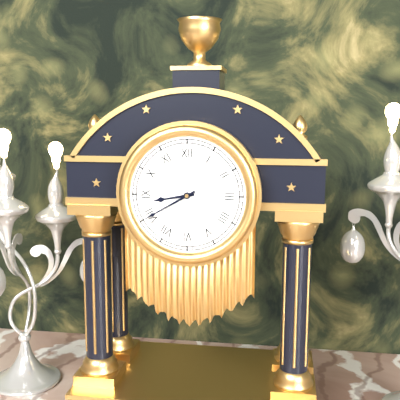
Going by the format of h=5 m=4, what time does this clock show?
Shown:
h=8 m=40
